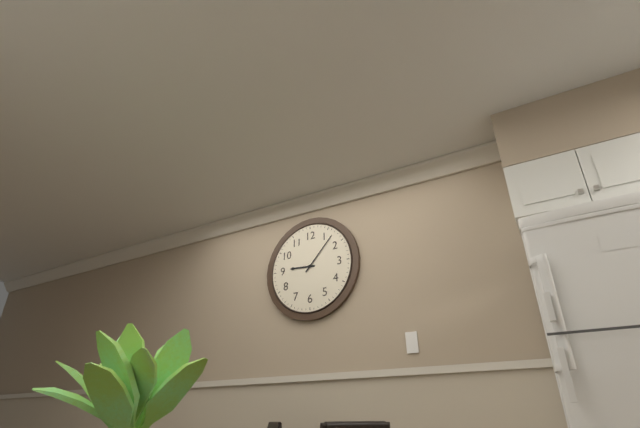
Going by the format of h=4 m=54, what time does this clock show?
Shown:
h=9 m=7
